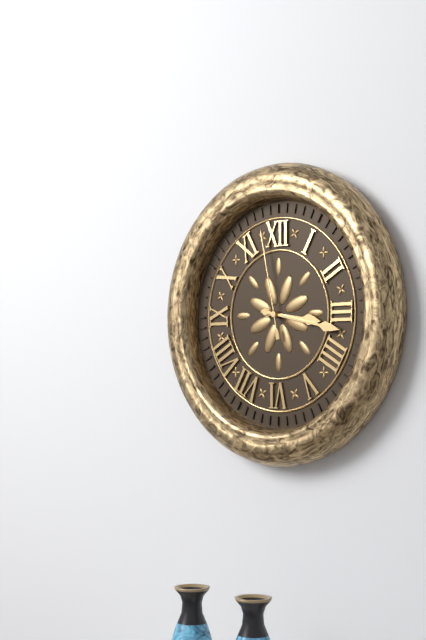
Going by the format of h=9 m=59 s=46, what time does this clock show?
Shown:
h=3 m=17 s=58
